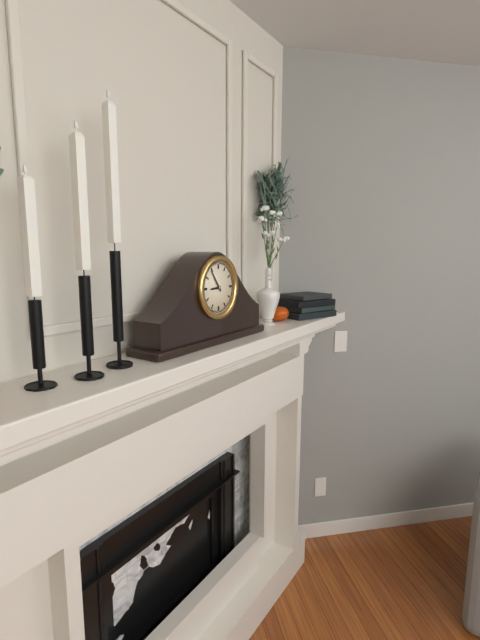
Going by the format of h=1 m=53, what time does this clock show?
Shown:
h=8 m=54
